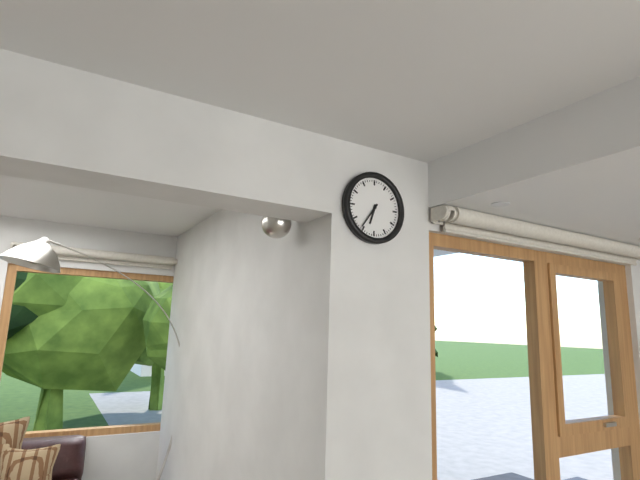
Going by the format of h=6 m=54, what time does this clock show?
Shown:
h=6 m=36
